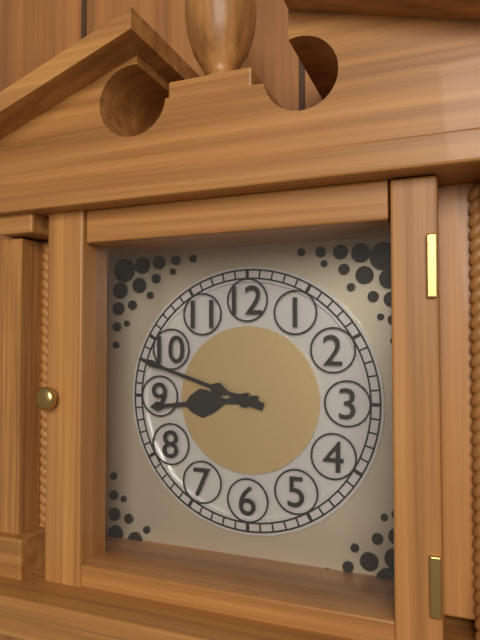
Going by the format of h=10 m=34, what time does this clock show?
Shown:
h=8 m=48
